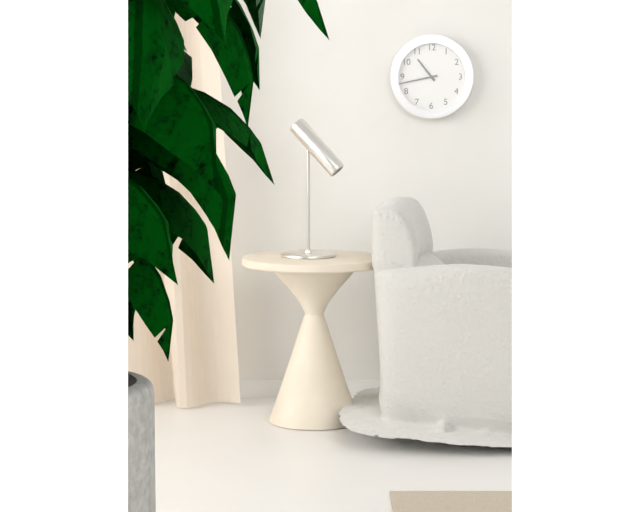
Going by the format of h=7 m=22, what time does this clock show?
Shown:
h=10 m=43
